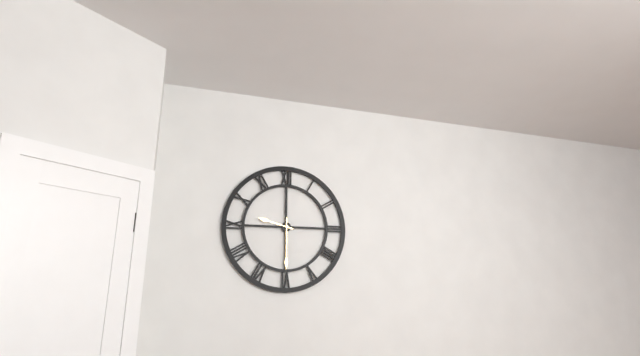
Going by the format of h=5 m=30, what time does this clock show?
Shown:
h=9 m=30
